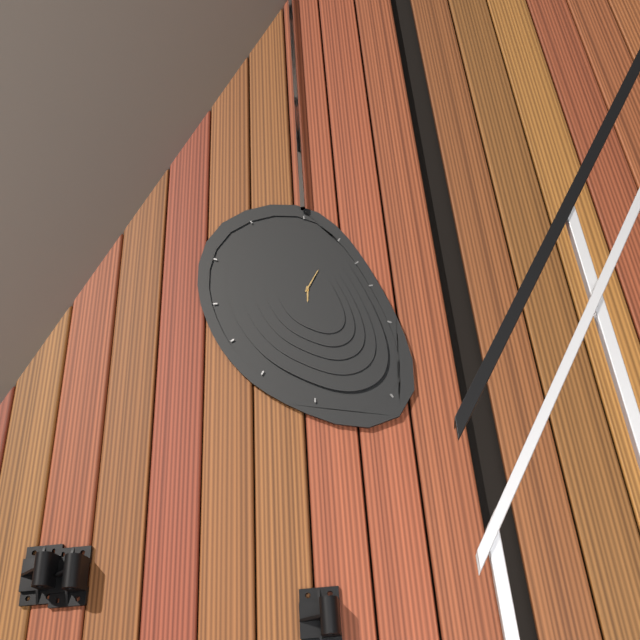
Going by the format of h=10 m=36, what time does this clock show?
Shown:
h=6 m=5
